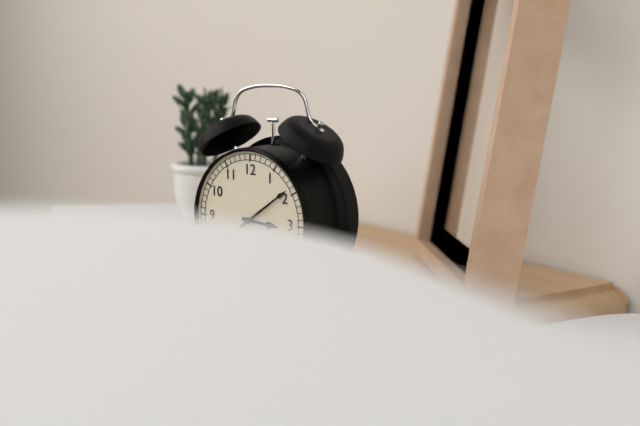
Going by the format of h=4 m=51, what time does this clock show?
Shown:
h=3 m=9
